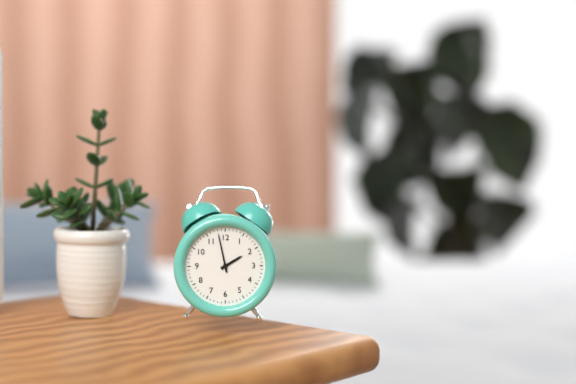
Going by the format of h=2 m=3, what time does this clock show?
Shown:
h=1 m=58
